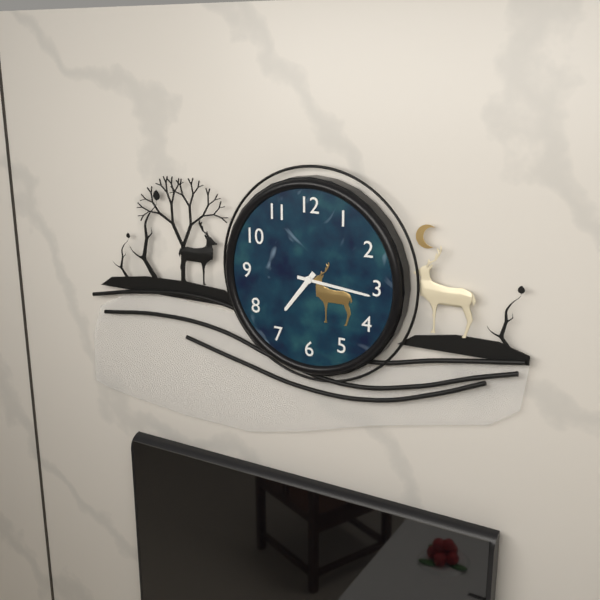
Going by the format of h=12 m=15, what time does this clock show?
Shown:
h=7 m=16
